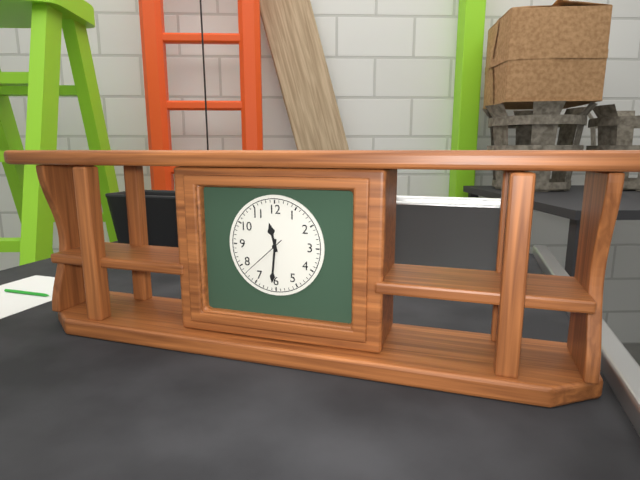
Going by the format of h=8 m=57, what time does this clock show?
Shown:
h=11 m=31
